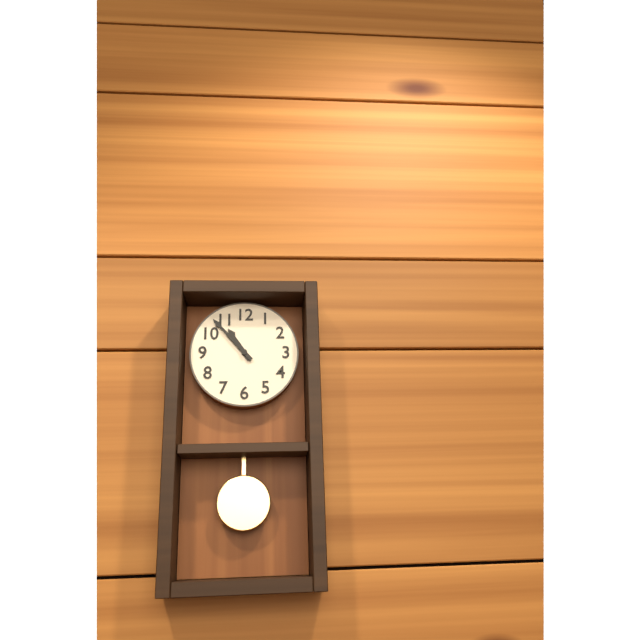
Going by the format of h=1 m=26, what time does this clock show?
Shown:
h=10 m=53
